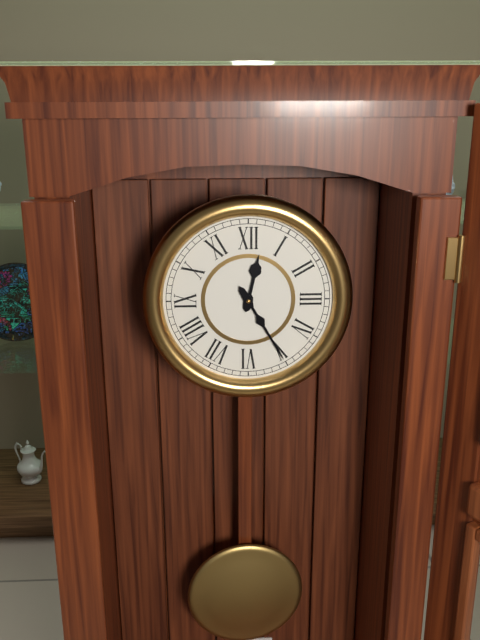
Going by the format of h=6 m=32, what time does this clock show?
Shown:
h=12 m=25
